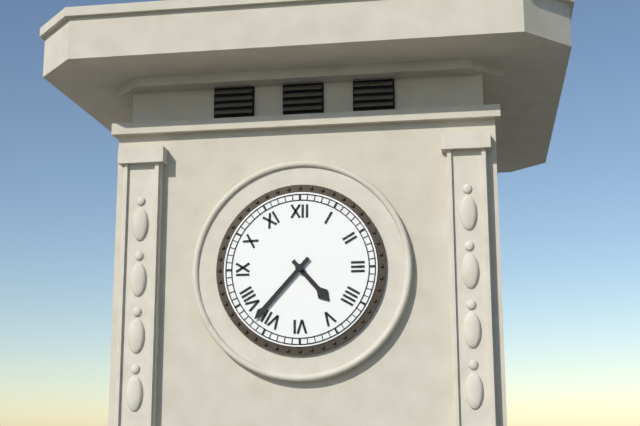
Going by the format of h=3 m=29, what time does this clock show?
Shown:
h=4 m=37
